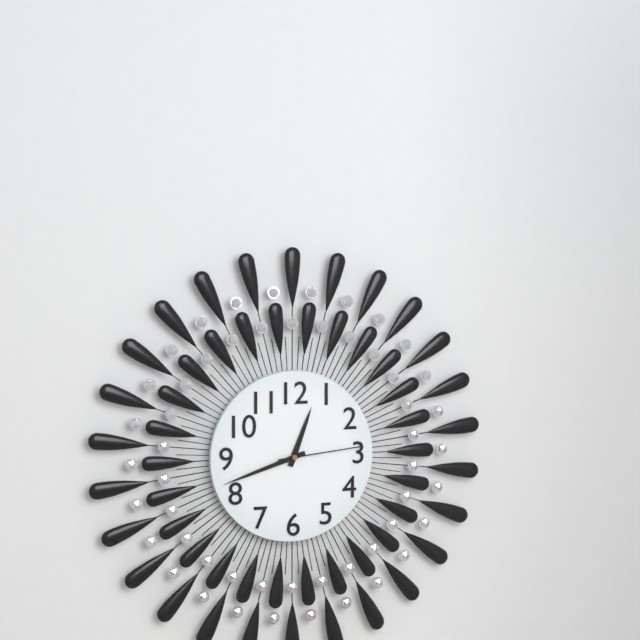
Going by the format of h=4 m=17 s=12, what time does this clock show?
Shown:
h=12 m=42 s=14
